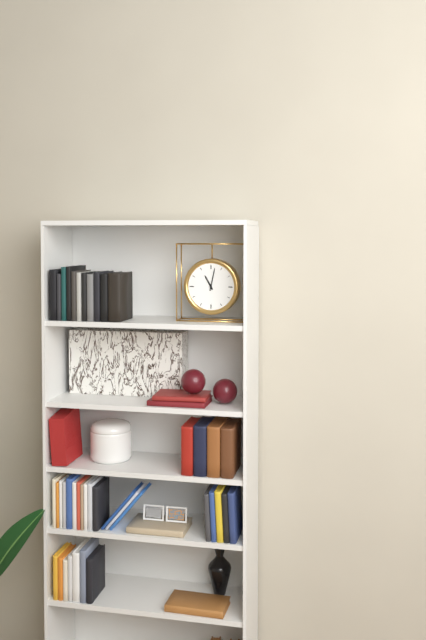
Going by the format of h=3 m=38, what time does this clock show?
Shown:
h=11 m=2
